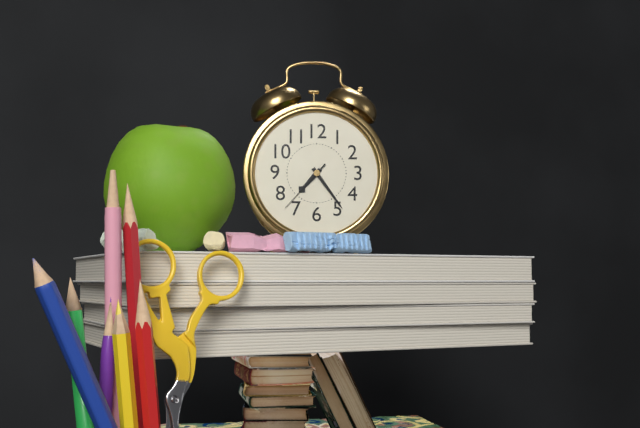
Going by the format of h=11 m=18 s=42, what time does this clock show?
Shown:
h=7 m=24 s=37
